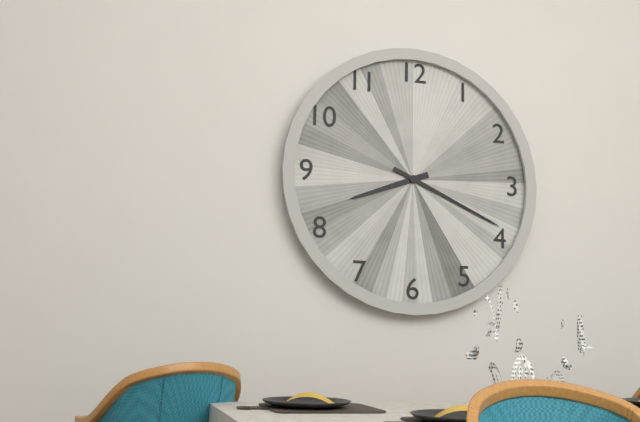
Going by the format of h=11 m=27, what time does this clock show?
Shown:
h=8 m=19
